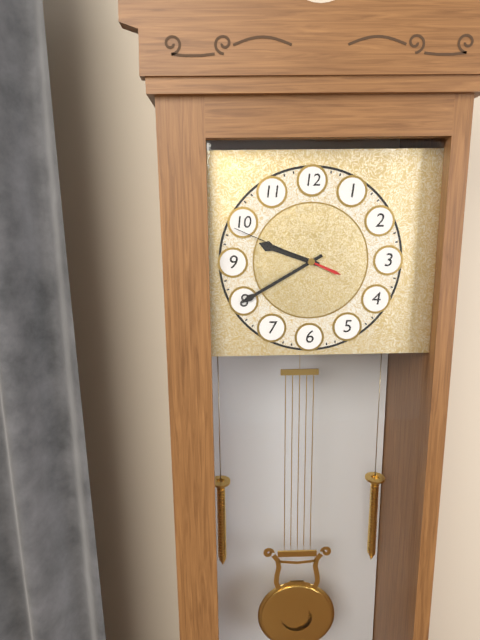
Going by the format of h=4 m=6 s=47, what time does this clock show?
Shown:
h=9 m=40 s=49
